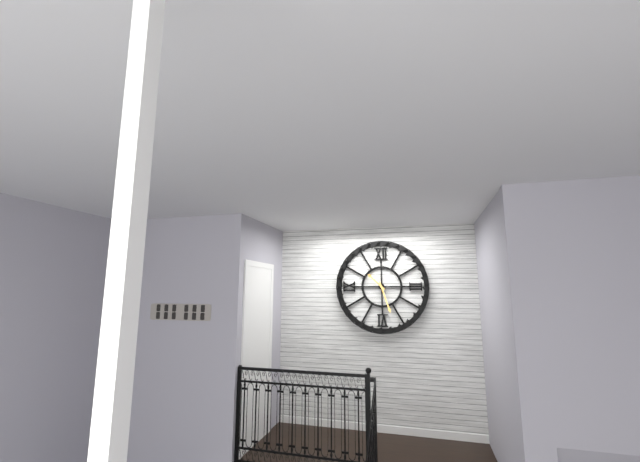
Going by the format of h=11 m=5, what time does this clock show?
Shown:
h=10 m=27
